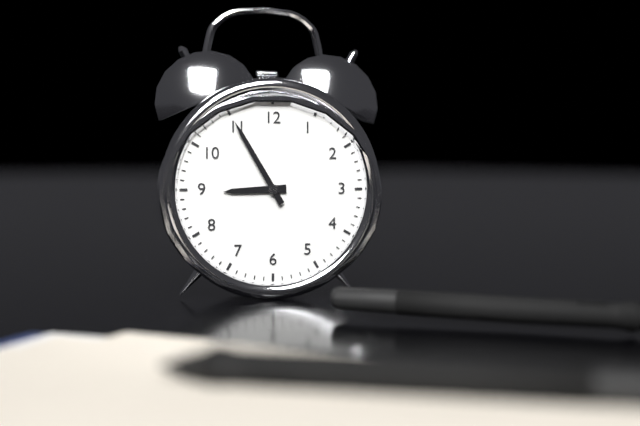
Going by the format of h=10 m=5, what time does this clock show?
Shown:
h=8 m=55
